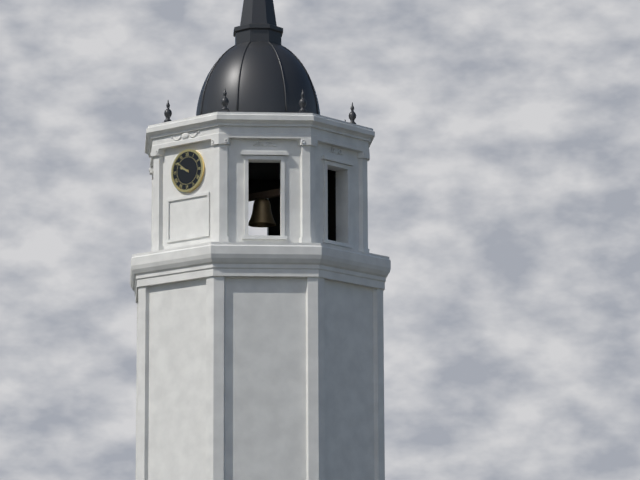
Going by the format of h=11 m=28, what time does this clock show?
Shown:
h=9 m=51
